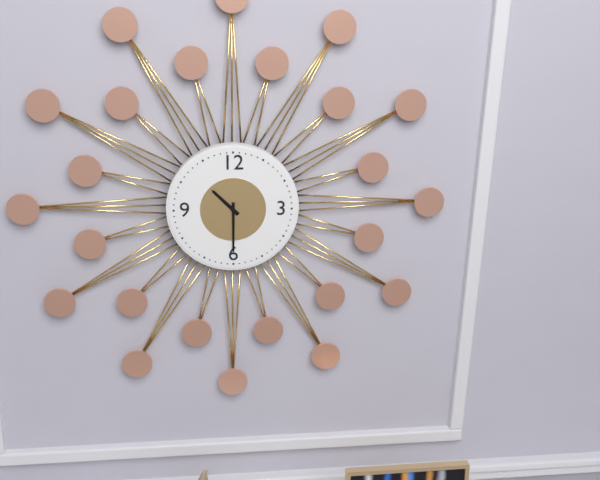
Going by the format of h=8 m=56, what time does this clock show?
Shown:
h=10 m=30
